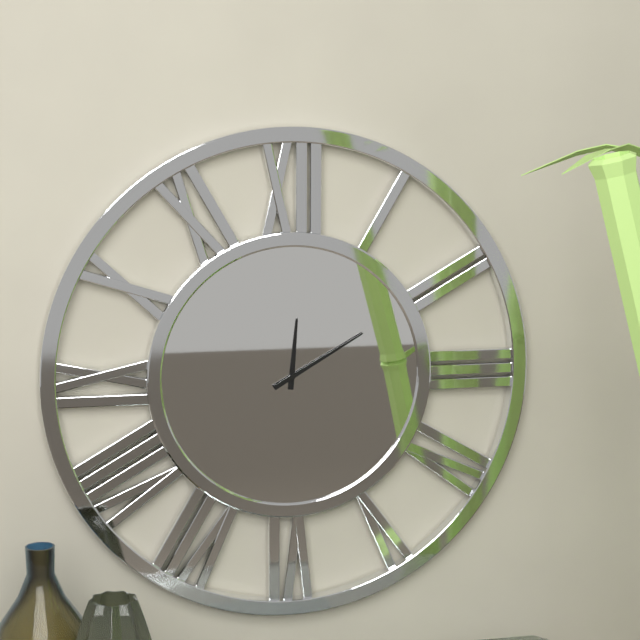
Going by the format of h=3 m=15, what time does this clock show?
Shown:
h=12 m=10
